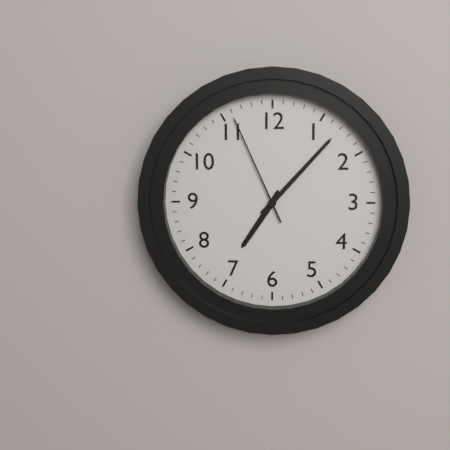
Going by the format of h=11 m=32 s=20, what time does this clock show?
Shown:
h=7 m=7 s=56
